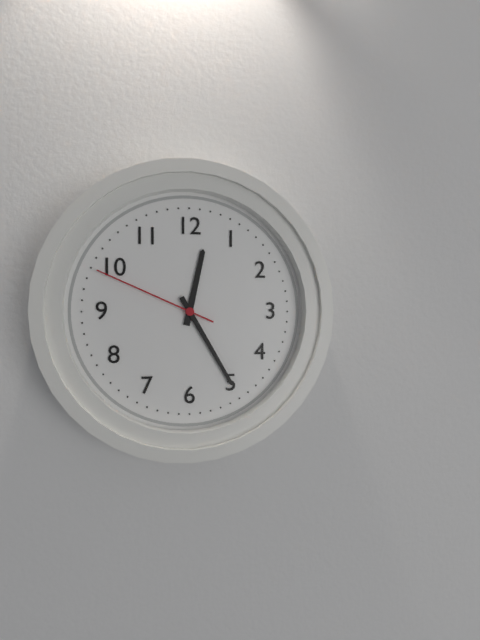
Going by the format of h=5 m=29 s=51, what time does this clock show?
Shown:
h=12 m=25 s=49
